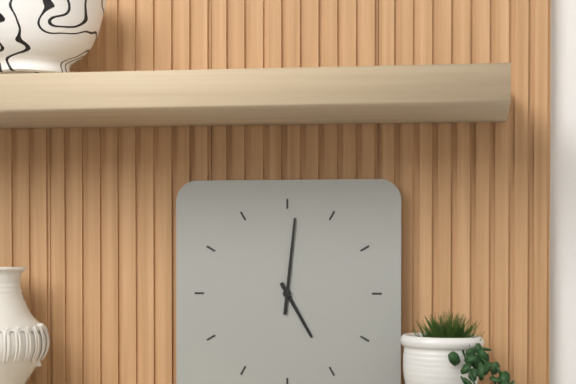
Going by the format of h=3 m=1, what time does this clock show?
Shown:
h=5 m=1
